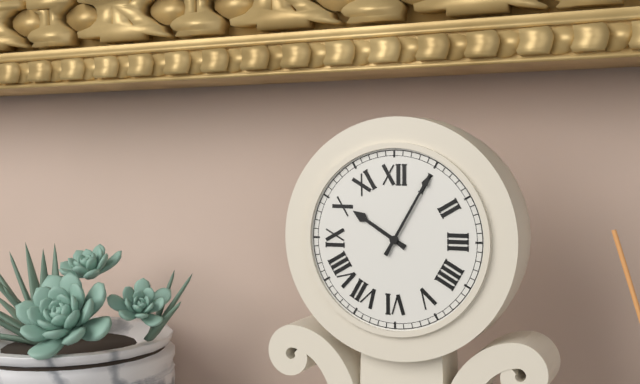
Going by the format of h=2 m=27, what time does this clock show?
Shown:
h=10 m=5
